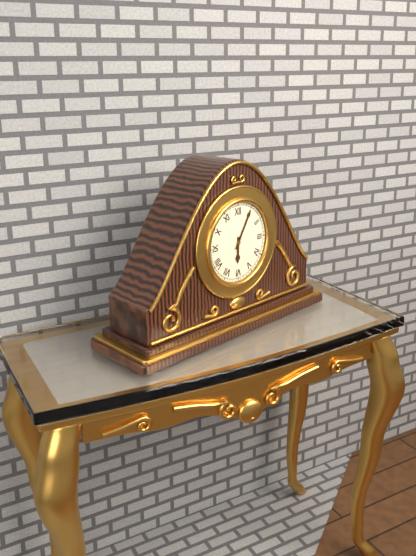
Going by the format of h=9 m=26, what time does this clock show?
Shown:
h=6 m=5
